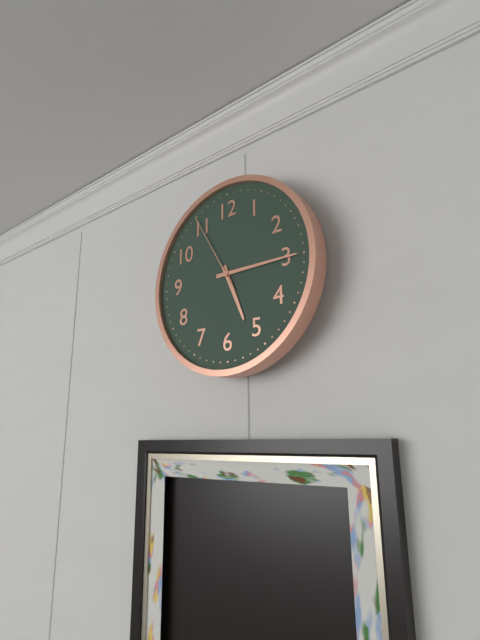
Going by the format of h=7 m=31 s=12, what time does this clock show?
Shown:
h=5 m=15 s=55
